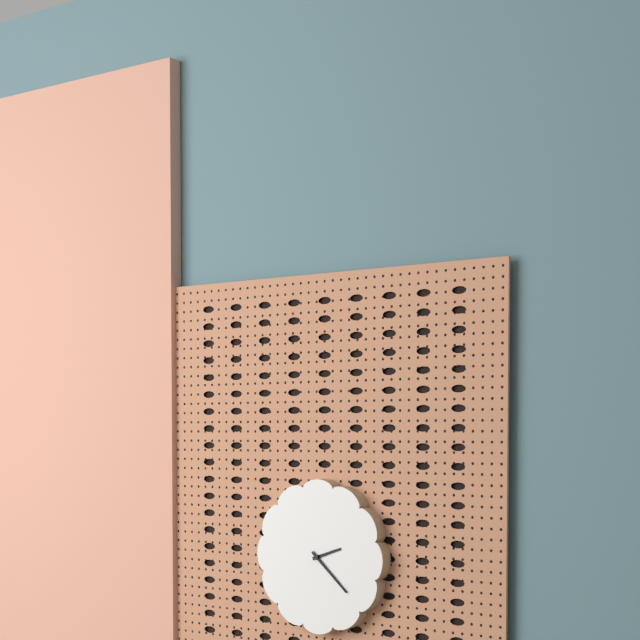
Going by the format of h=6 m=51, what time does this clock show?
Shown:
h=2 m=22
